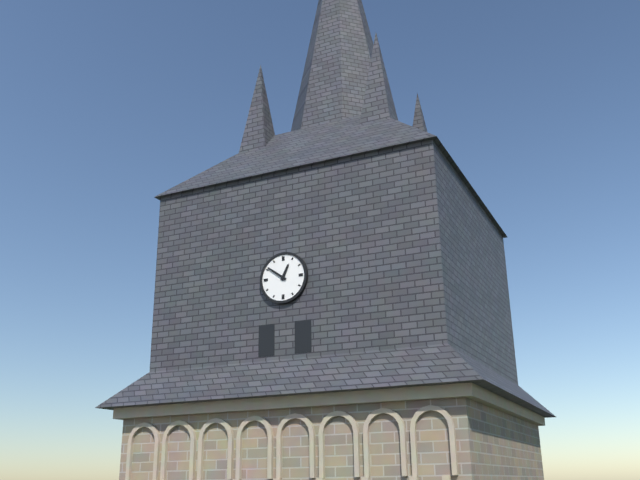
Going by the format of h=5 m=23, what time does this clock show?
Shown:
h=12 m=51
